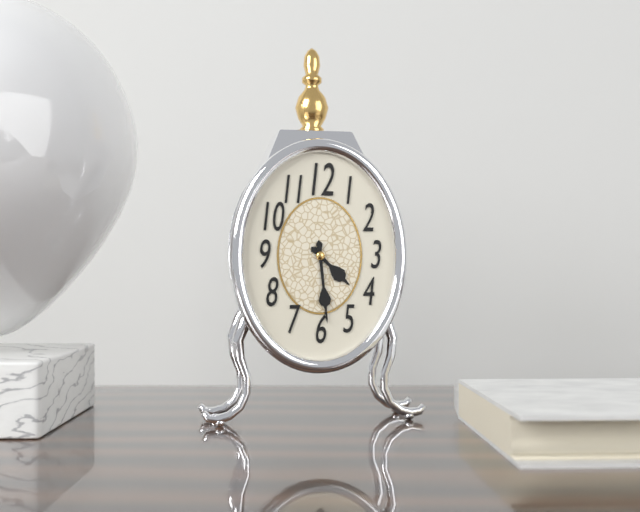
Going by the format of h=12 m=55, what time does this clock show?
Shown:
h=4 m=29
